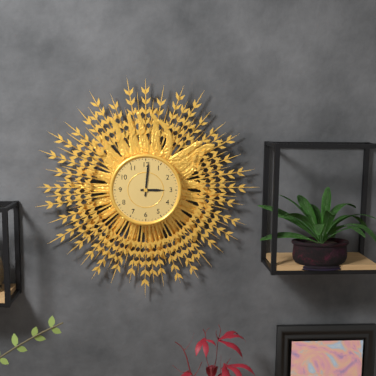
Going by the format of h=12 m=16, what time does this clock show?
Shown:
h=3 m=1
